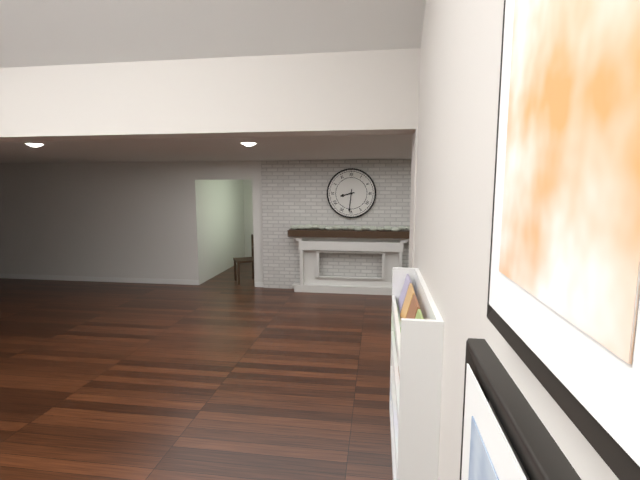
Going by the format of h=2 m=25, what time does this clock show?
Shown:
h=8 m=31
